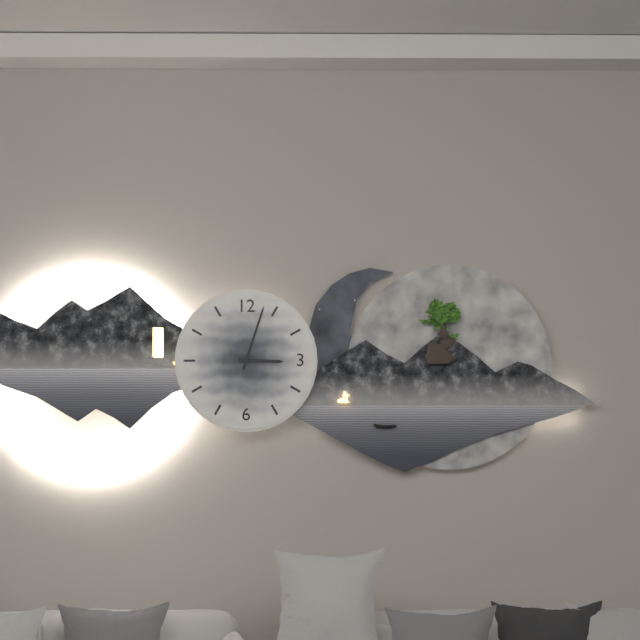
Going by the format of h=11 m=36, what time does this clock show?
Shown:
h=3 m=3
